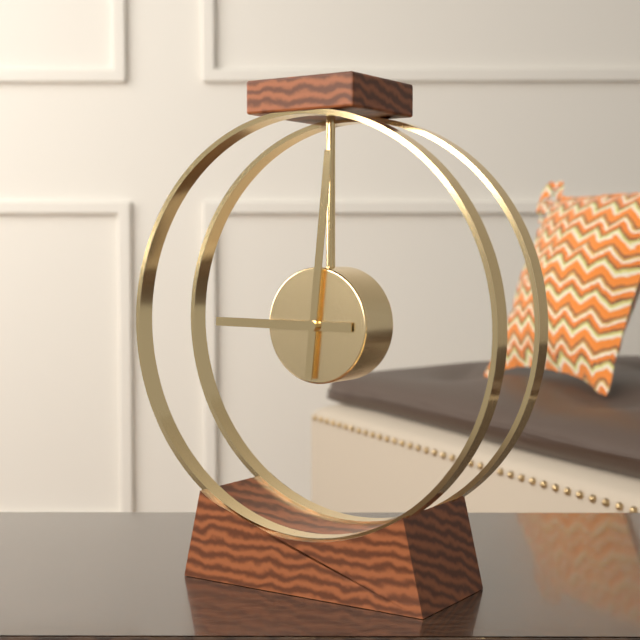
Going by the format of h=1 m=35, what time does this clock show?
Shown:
h=9 m=1
